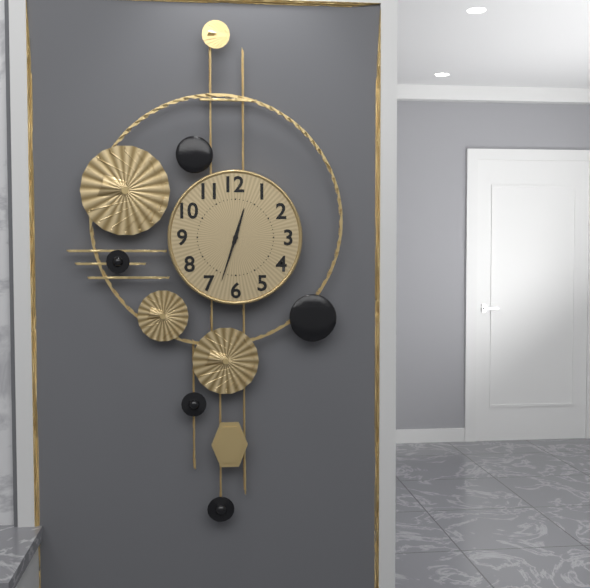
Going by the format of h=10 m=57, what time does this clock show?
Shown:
h=12 m=33
